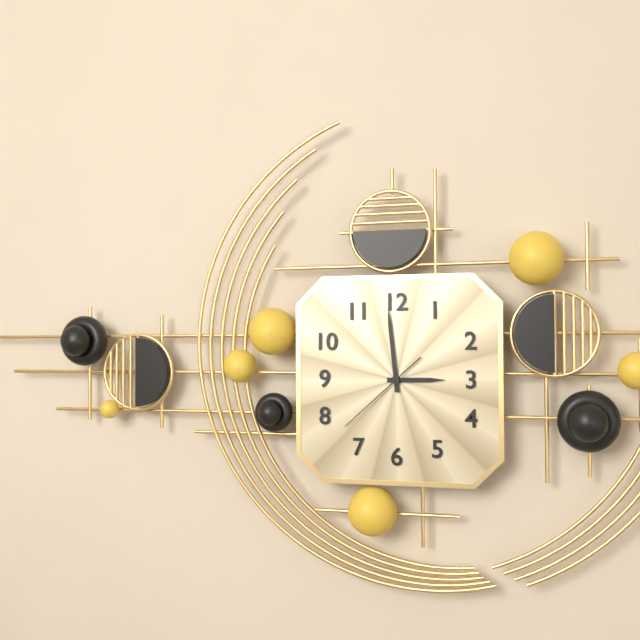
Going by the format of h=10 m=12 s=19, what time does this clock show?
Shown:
h=2 m=59 s=38
